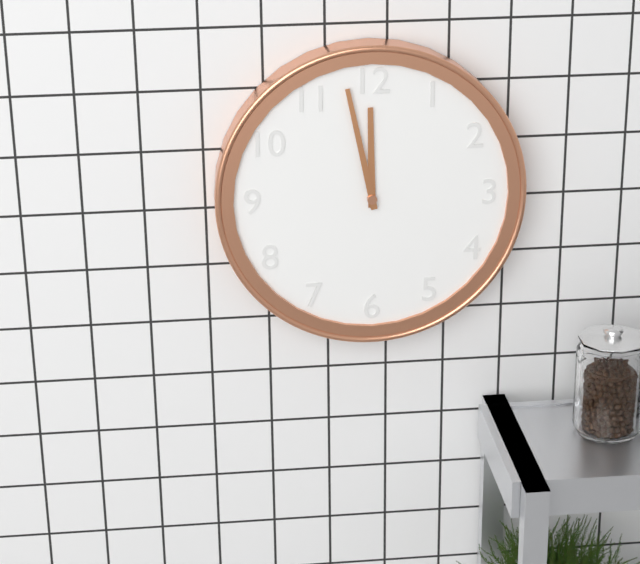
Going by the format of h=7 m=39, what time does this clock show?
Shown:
h=11 m=58
